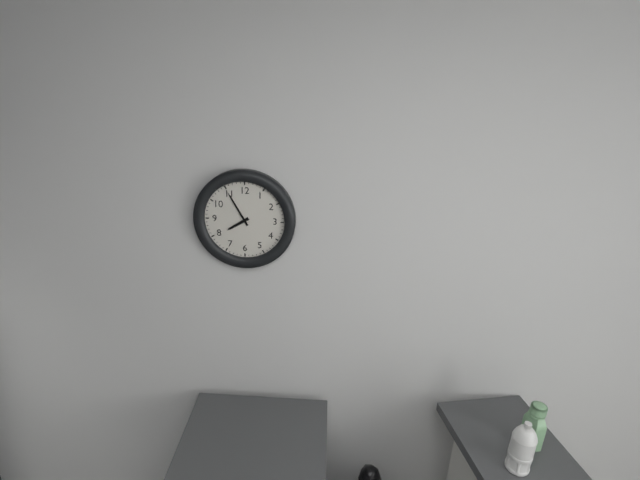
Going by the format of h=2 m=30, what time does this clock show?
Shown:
h=7 m=55
